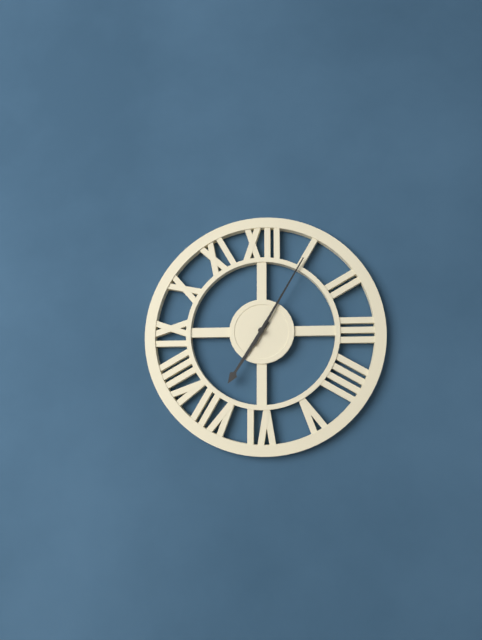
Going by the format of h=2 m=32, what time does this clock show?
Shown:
h=7 m=5
